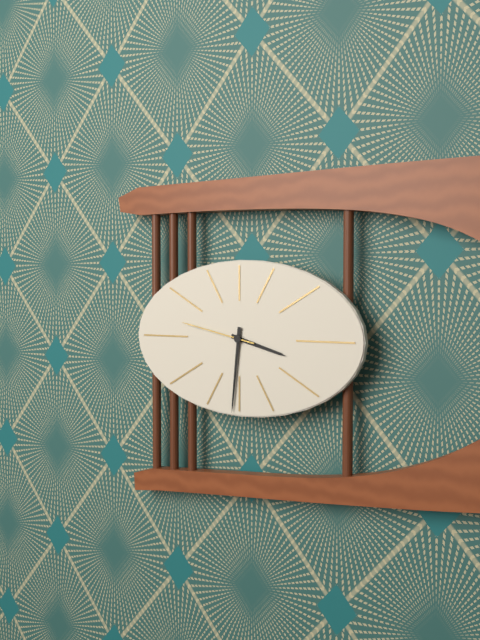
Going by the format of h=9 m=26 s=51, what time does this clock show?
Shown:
h=3 m=31 s=47
